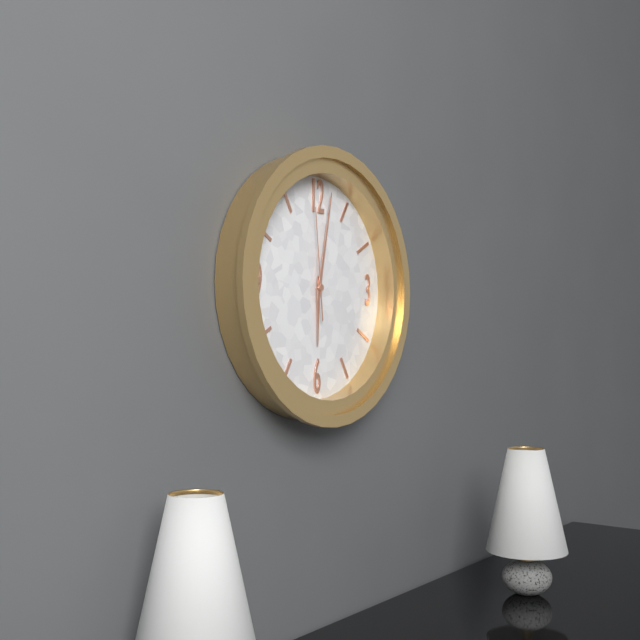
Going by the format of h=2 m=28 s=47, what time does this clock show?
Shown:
h=6 m=2 s=59
